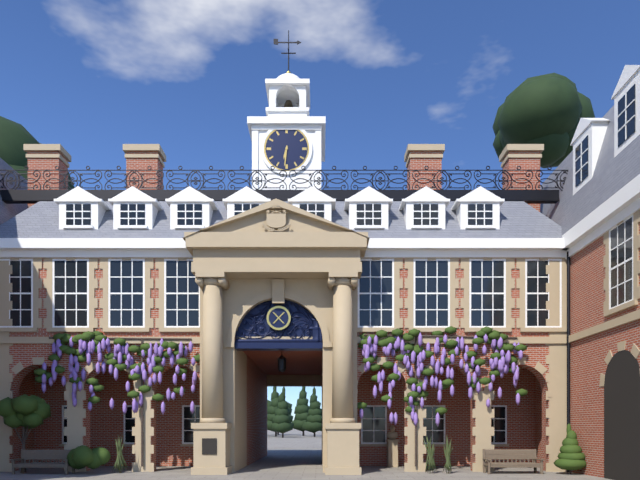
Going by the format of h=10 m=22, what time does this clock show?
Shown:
h=6 m=31
